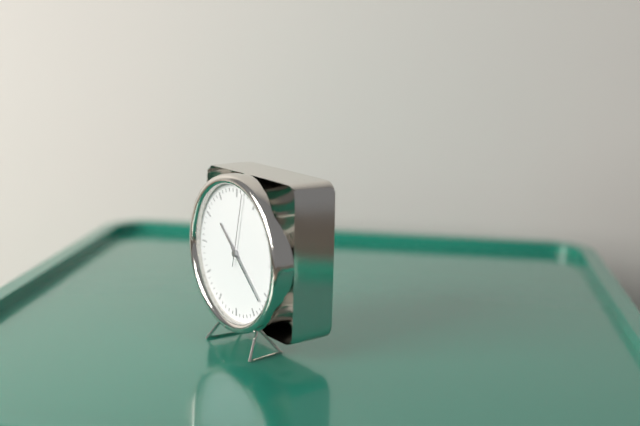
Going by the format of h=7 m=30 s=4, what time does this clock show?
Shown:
h=10 m=22 s=2
